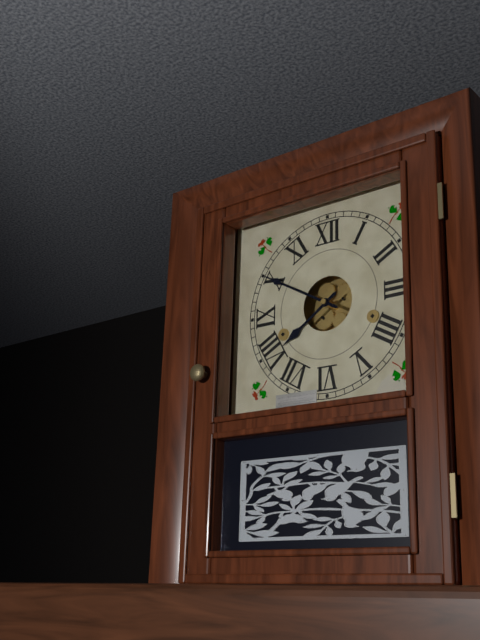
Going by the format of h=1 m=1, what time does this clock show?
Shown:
h=7 m=50
